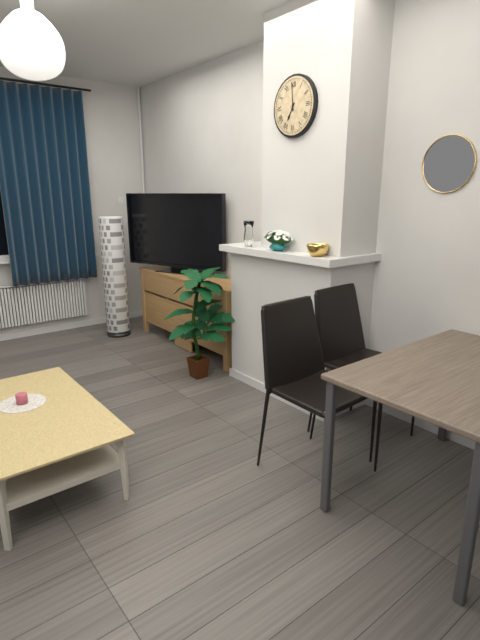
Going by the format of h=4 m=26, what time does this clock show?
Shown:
h=6 m=59
